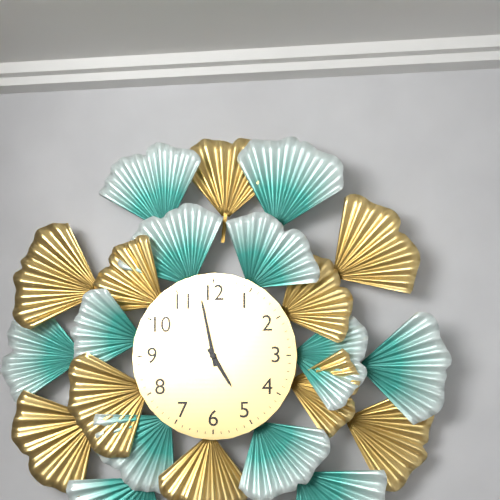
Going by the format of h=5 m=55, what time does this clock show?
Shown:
h=4 m=58
